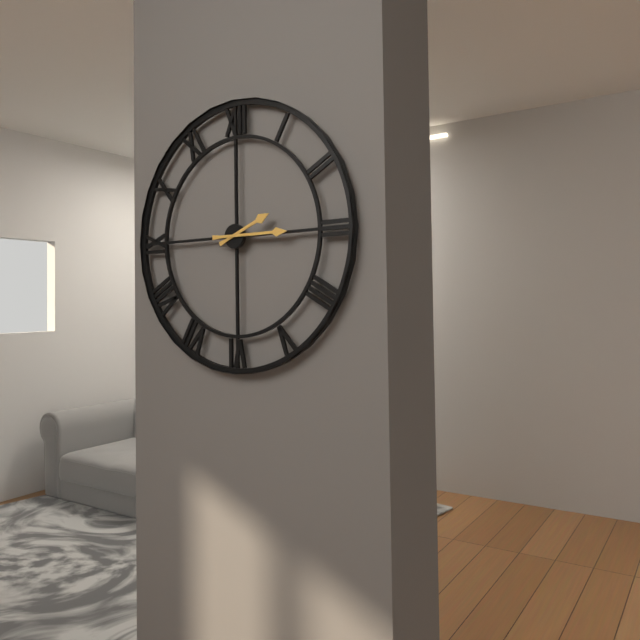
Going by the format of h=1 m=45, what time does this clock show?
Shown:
h=2 m=15
